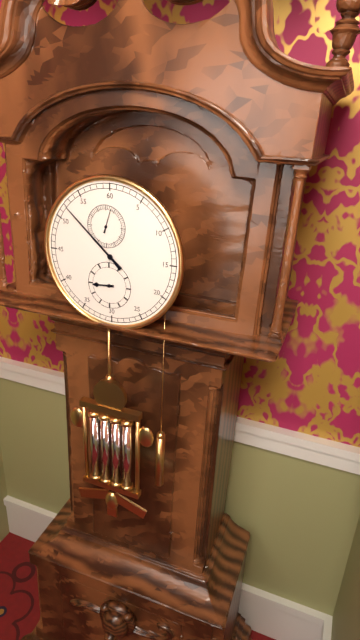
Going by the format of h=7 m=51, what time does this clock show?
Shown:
h=8 m=52
